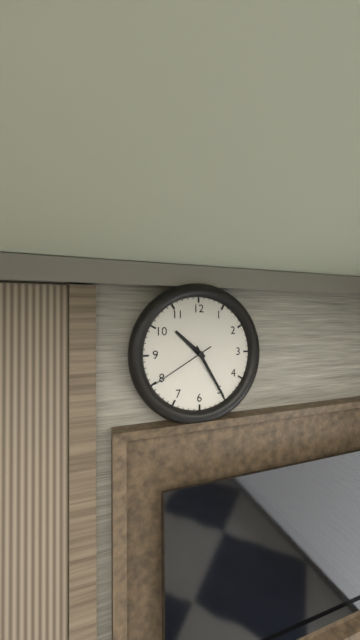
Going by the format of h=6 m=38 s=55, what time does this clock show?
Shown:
h=10 m=25 s=40
